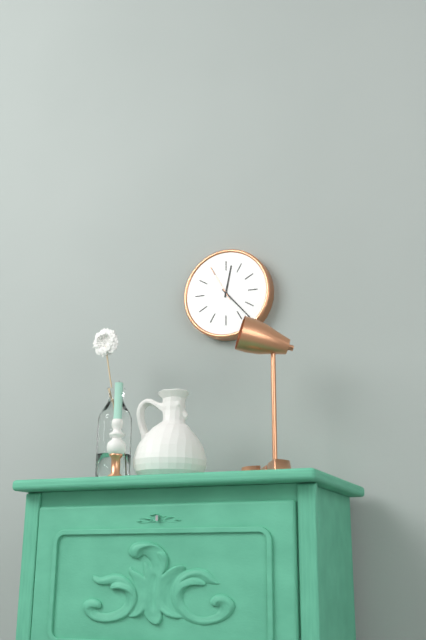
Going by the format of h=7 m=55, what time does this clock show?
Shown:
h=12 m=23
